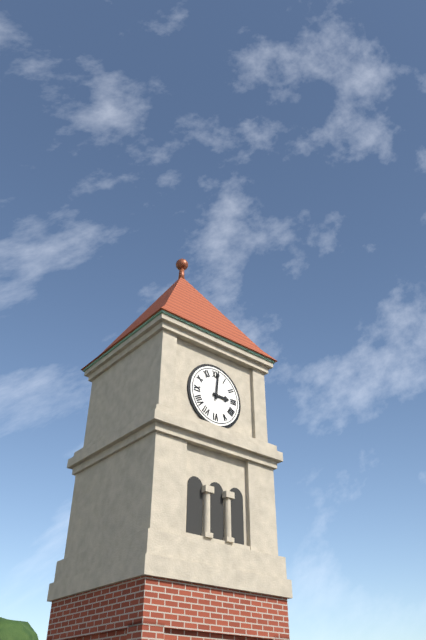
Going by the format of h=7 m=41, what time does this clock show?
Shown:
h=3 m=1
